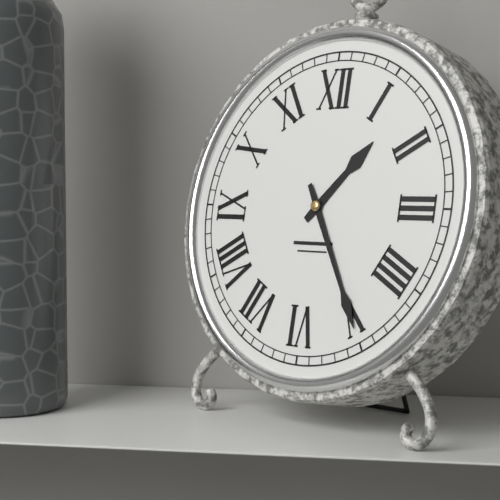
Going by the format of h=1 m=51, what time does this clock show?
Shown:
h=1 m=25
